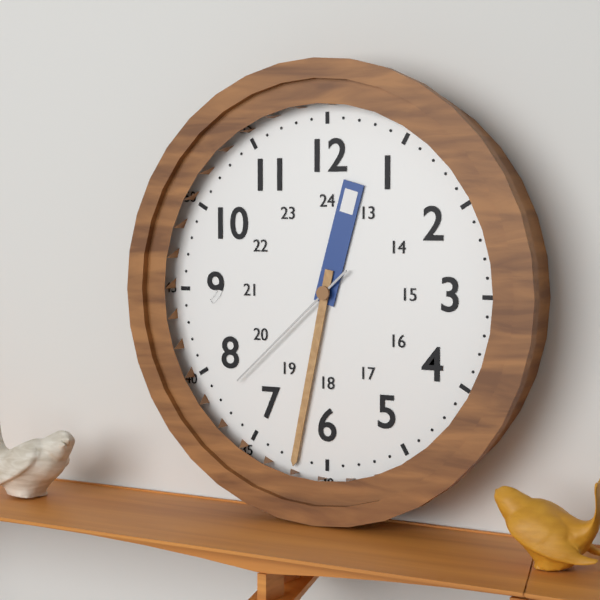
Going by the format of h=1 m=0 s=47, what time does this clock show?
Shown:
h=12 m=32 s=38
